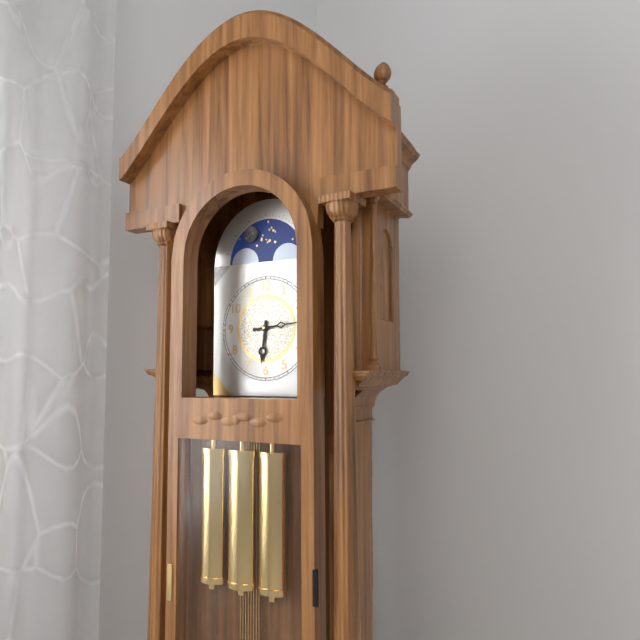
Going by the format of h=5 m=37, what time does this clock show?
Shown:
h=6 m=14
